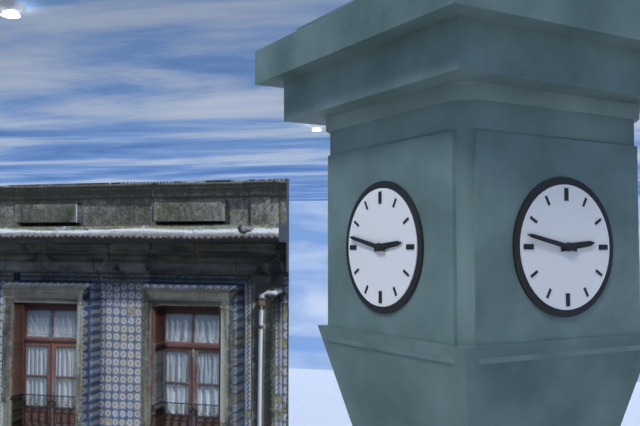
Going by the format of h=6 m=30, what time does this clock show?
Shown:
h=2 m=47
